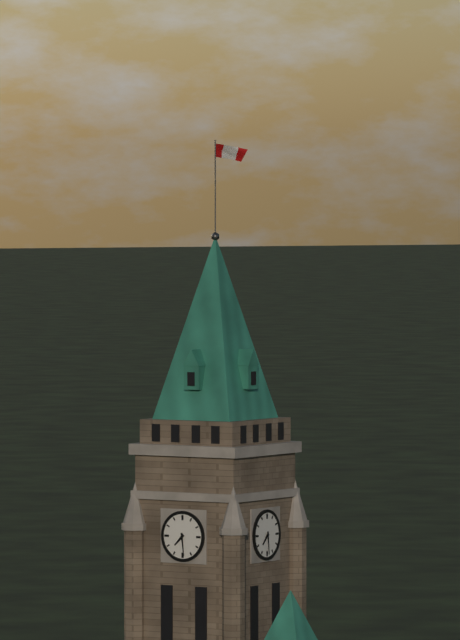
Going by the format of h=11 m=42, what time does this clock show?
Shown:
h=7 m=29
